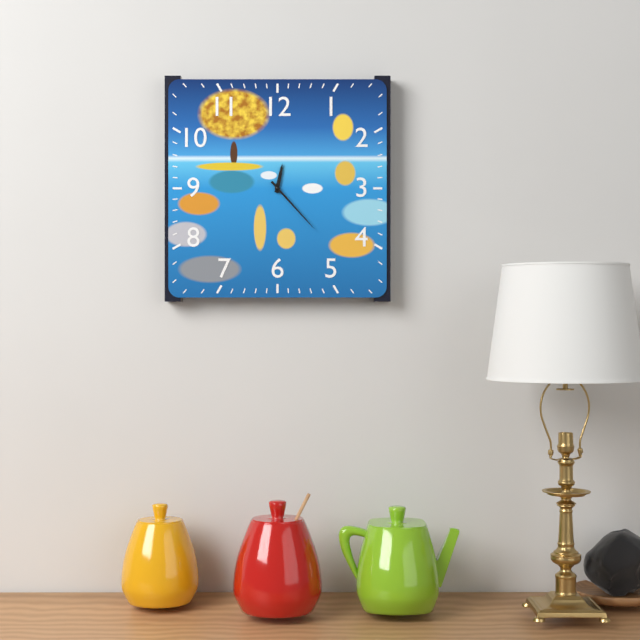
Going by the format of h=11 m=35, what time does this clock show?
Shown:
h=12 m=23
